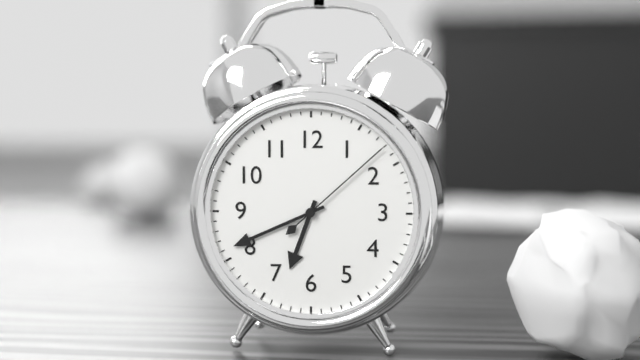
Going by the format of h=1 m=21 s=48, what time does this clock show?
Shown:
h=6 m=41 s=8
